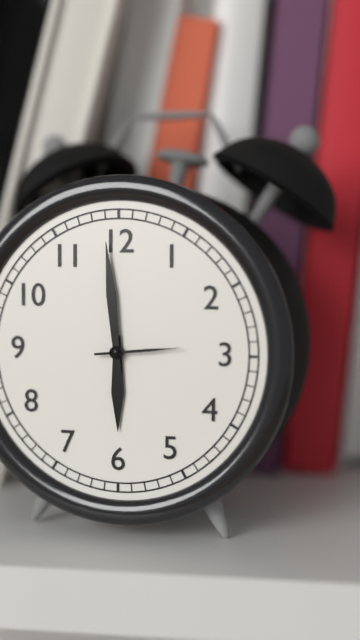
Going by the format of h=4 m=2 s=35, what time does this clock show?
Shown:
h=5 m=59 s=14
